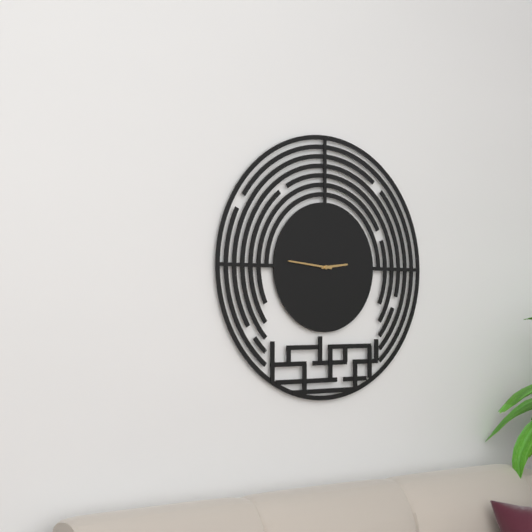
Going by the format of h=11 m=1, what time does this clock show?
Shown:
h=2 m=46
